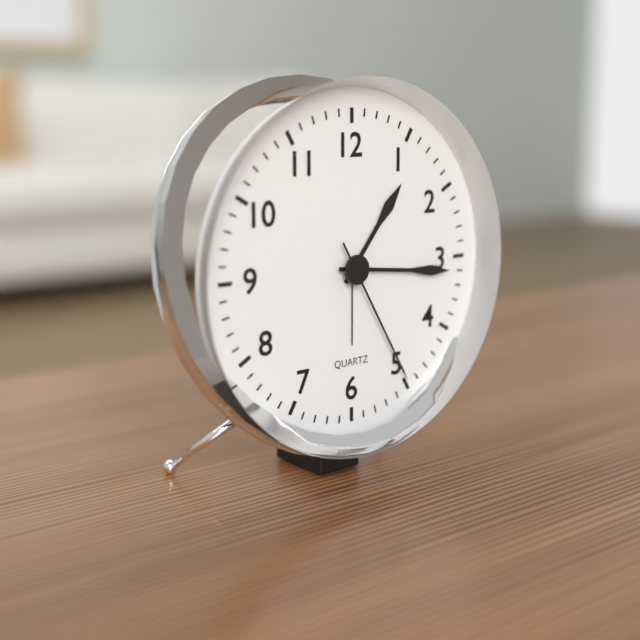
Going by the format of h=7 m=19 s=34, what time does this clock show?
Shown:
h=1 m=16 s=25
